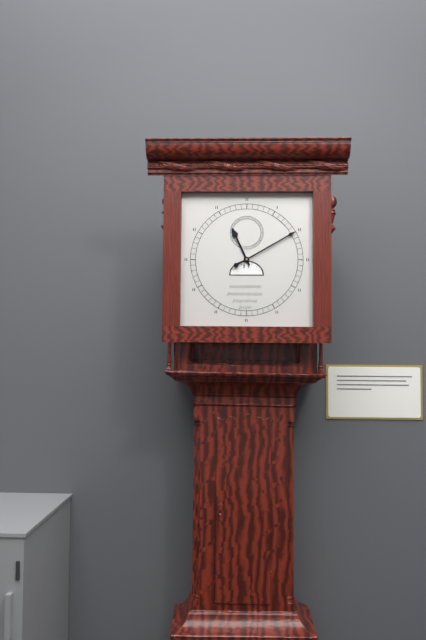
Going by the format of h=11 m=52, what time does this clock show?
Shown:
h=11 m=10
